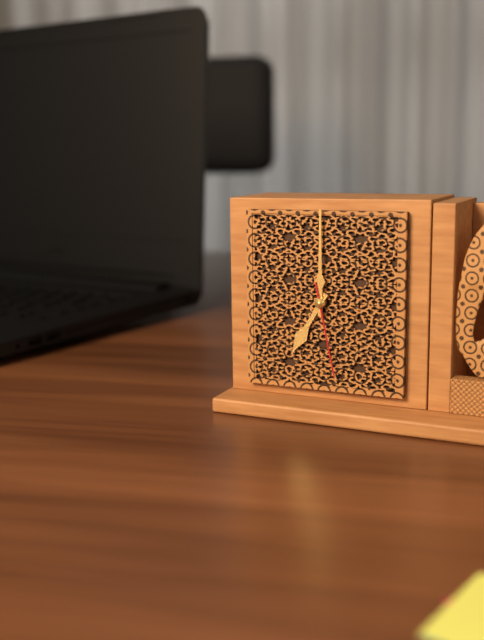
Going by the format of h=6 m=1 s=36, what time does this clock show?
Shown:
h=7 m=0 s=28
